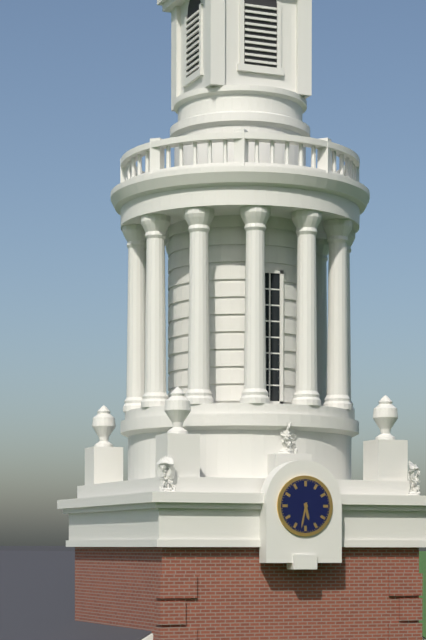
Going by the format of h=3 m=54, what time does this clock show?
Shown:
h=5 m=32
